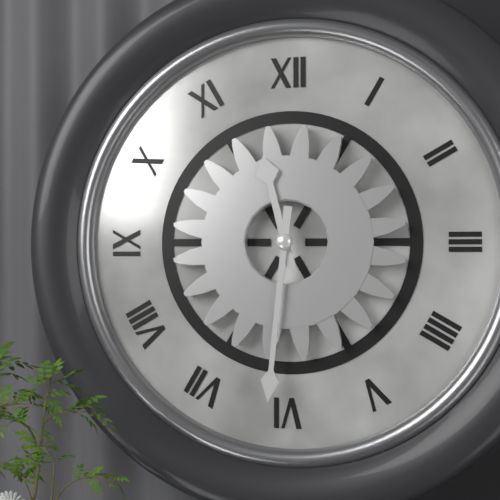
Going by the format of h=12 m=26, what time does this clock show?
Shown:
h=11 m=31
